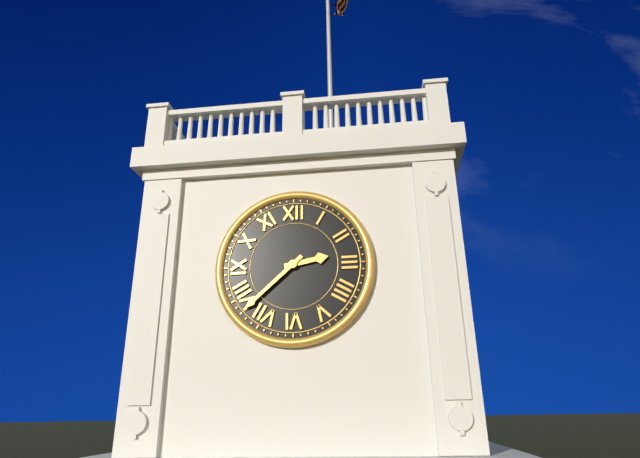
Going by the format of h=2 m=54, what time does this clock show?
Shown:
h=2 m=38
